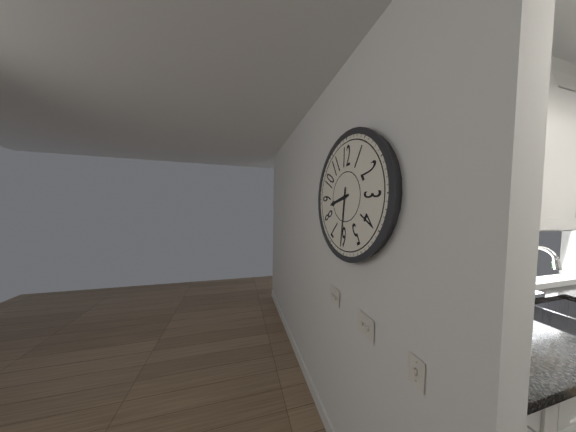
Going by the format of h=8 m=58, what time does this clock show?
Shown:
h=8 m=31
